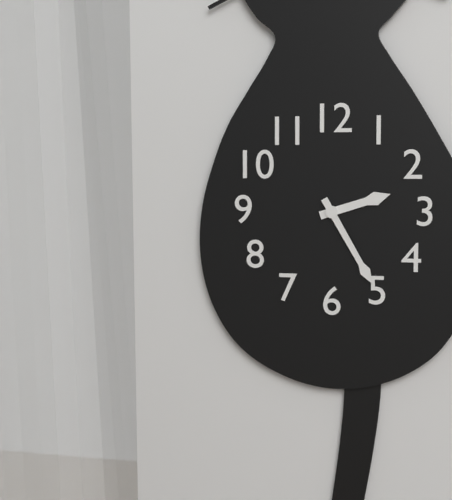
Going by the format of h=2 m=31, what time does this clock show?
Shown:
h=2 m=25
